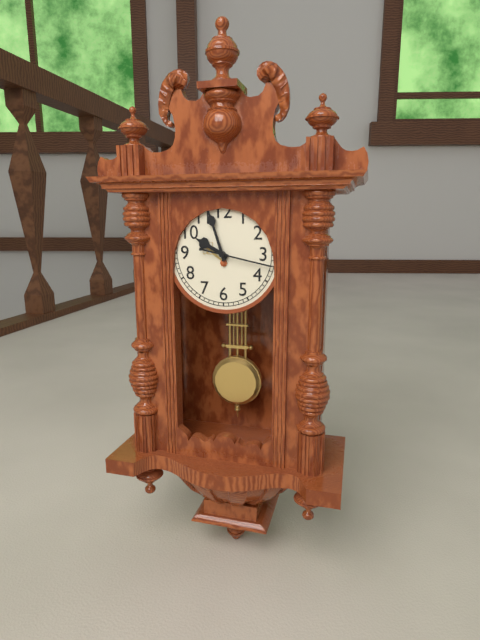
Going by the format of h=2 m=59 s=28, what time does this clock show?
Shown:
h=9 m=57 s=17
